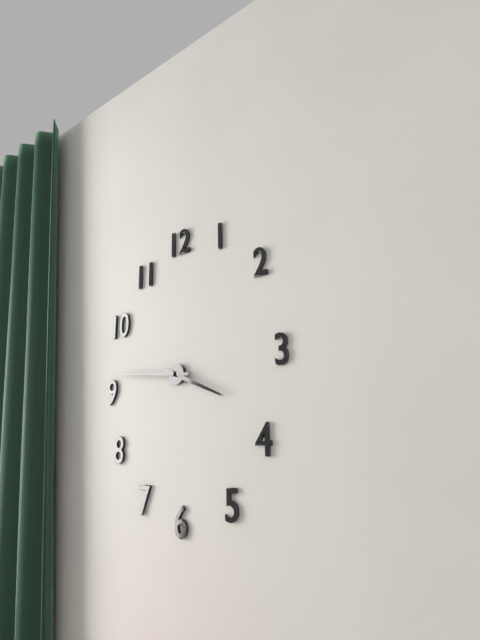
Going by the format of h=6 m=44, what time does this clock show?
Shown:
h=3 m=46
